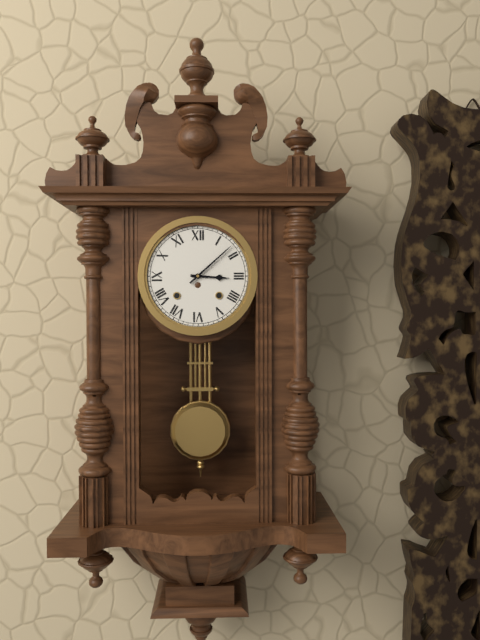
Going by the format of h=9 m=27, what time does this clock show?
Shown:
h=3 m=8
